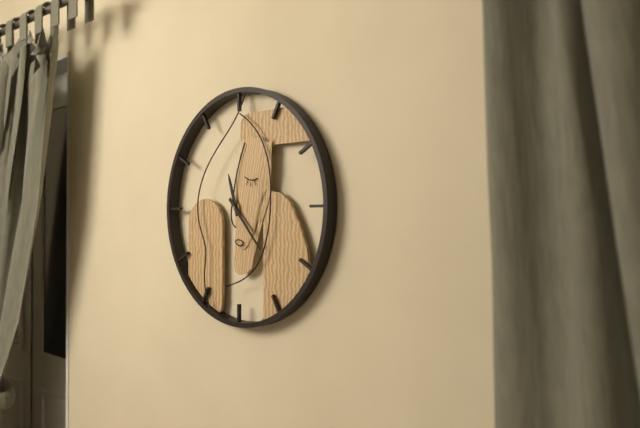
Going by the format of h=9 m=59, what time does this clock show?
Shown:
h=11 m=23
